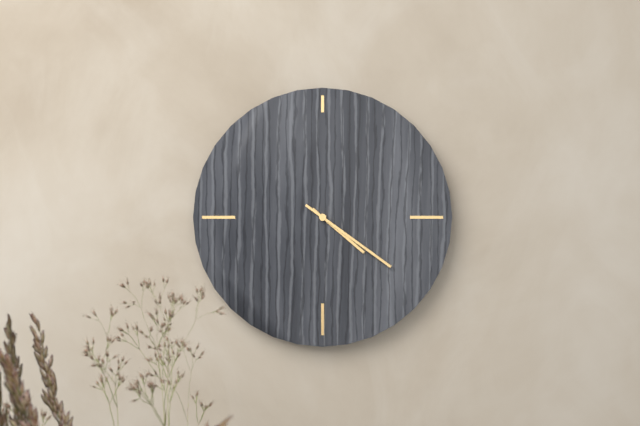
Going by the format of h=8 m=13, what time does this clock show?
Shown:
h=4 m=21
